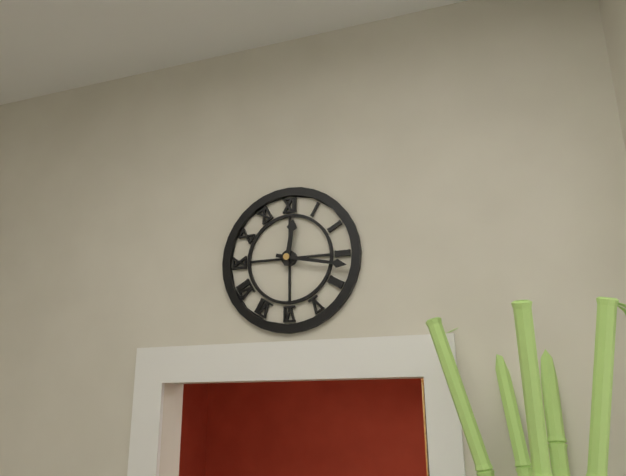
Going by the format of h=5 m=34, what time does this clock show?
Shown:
h=12 m=17
